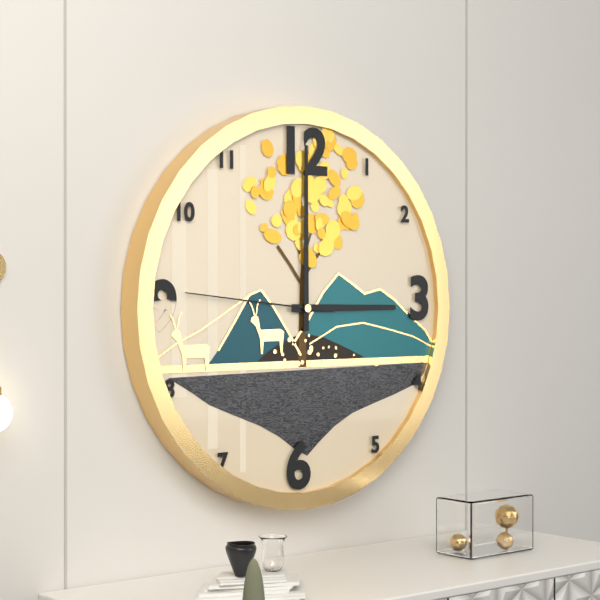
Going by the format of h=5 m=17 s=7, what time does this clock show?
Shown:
h=3 m=0 s=46
